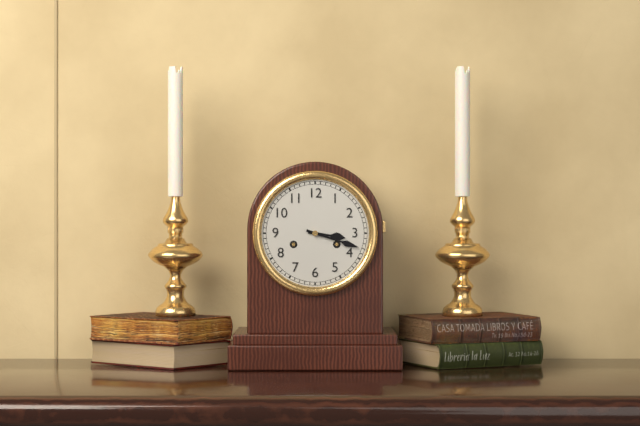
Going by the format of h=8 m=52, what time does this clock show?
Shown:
h=3 m=18
